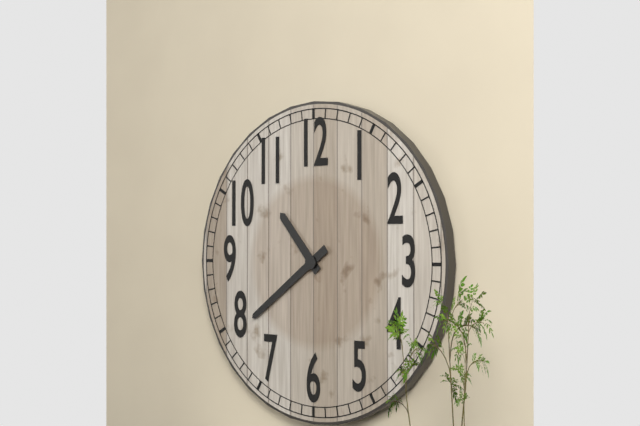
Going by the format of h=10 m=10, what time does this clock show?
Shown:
h=10 m=39
